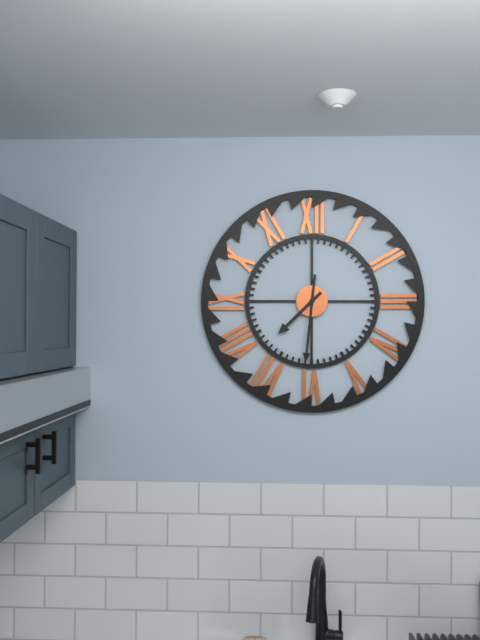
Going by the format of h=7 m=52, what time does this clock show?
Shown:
h=7 m=31
